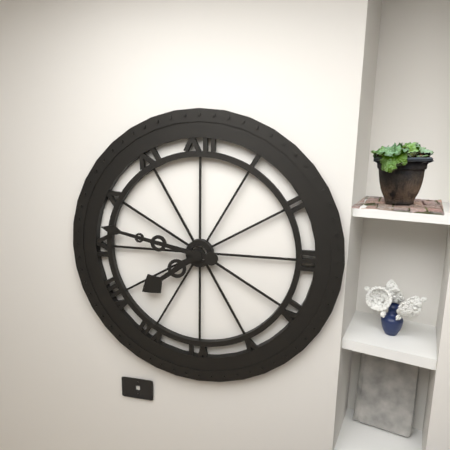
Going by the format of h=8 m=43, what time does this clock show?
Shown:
h=7 m=47
